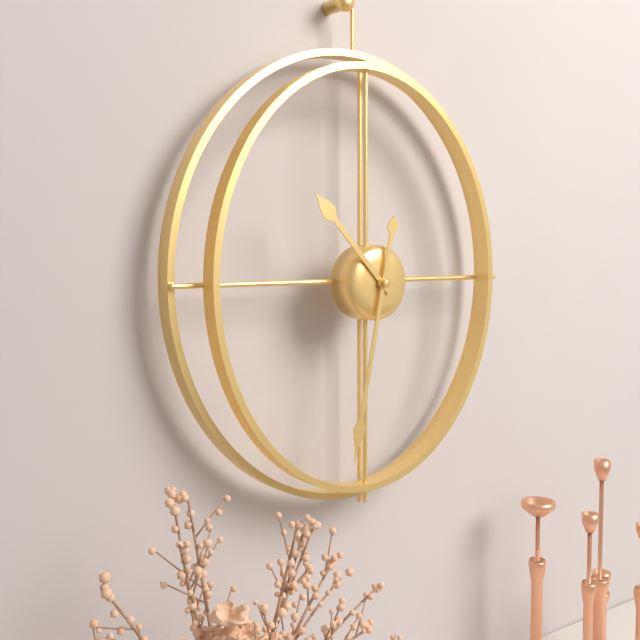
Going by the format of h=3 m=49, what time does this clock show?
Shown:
h=10 m=32
